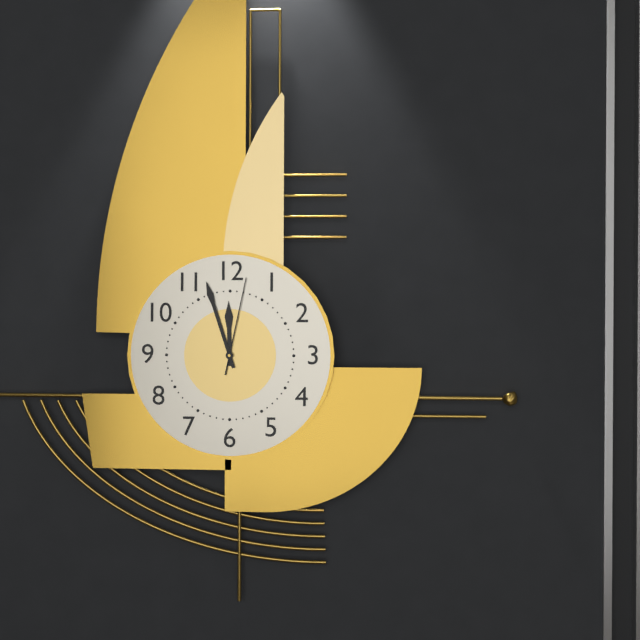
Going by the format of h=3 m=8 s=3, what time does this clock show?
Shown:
h=11 m=57 s=2
